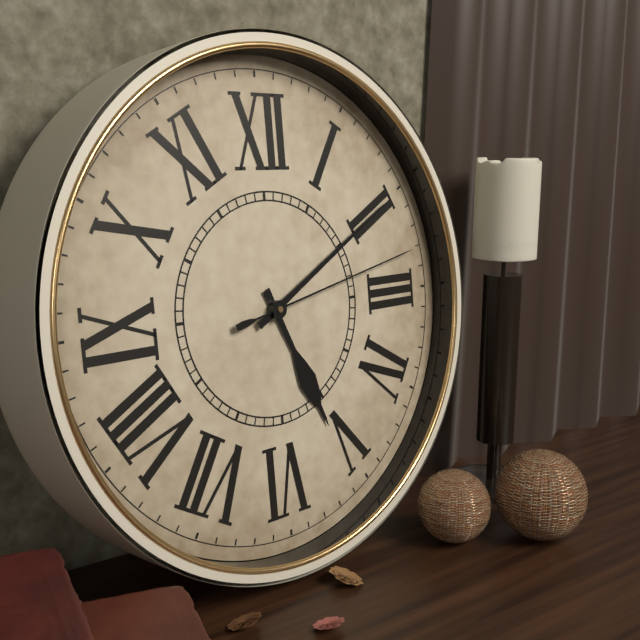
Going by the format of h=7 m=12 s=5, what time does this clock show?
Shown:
h=5 m=10 s=13
